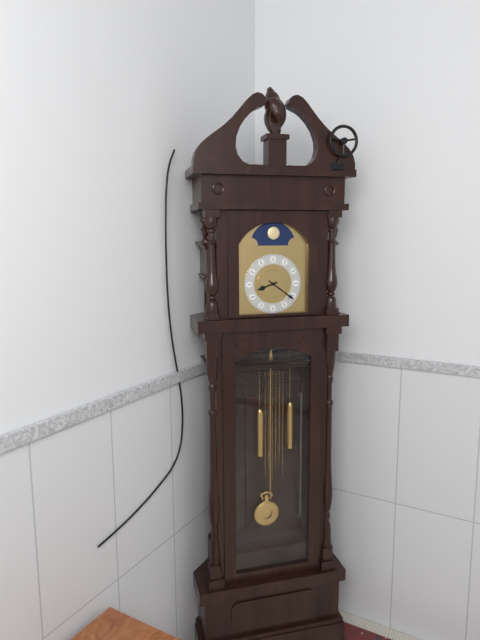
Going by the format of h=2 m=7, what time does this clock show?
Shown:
h=8 m=21
